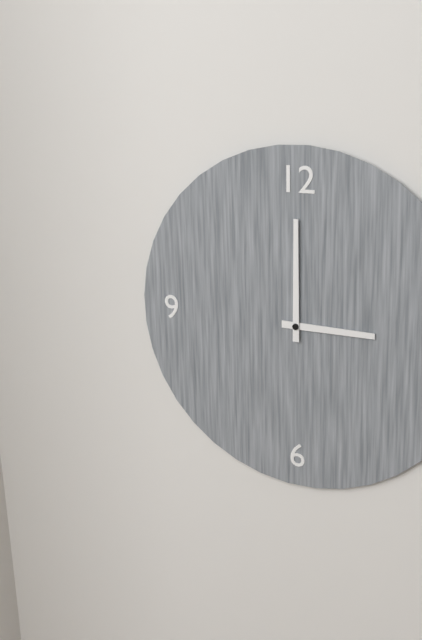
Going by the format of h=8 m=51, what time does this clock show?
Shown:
h=3 m=0
